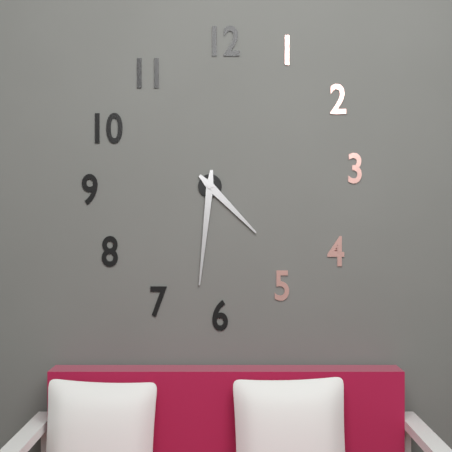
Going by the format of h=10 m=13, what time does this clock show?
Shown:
h=4 m=31
